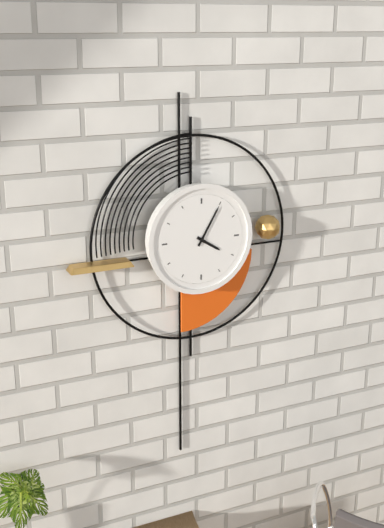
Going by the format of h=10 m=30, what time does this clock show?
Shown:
h=4 m=5
